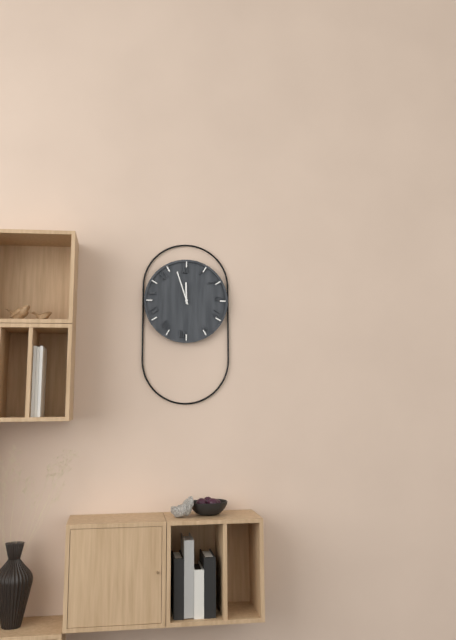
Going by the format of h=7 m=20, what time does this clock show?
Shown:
h=11 m=57
